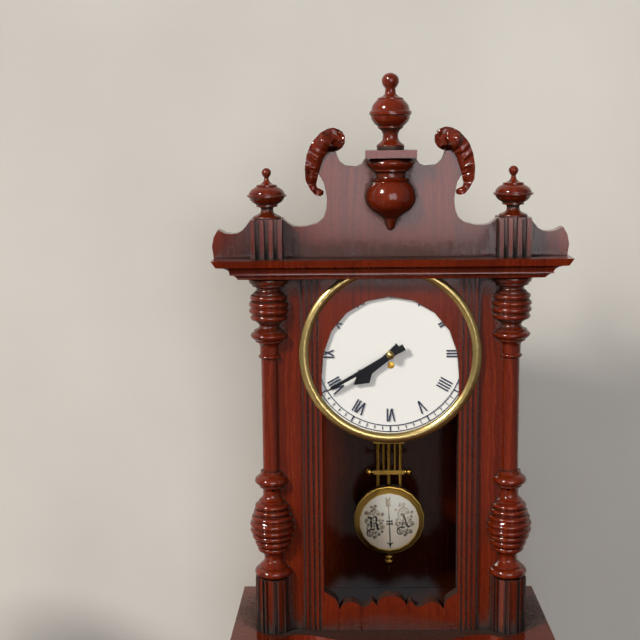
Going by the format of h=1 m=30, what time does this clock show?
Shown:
h=7 m=40
